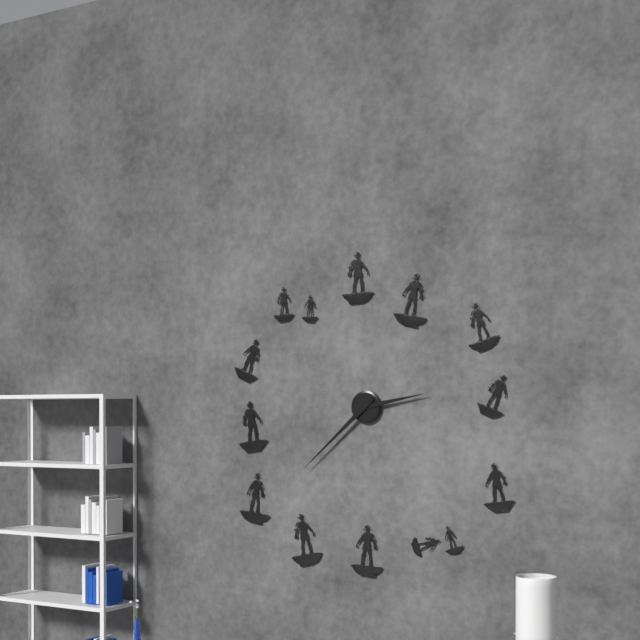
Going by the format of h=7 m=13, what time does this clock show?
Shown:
h=2 m=38
